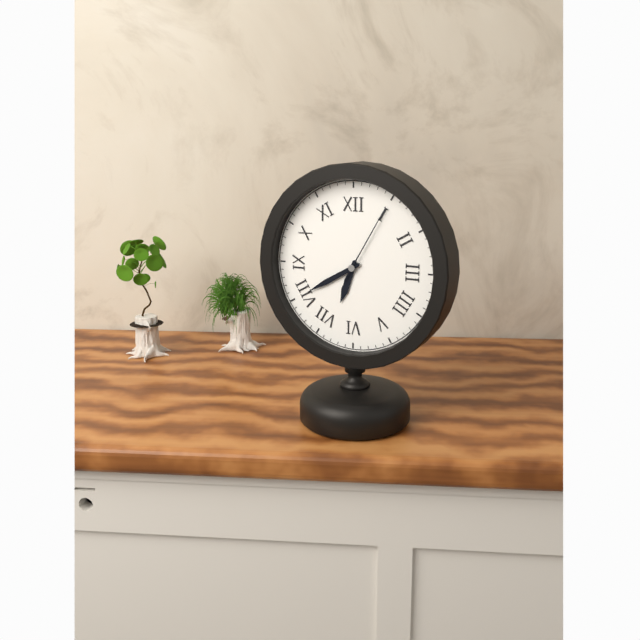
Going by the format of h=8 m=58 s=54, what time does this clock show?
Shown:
h=6 m=40 s=5
